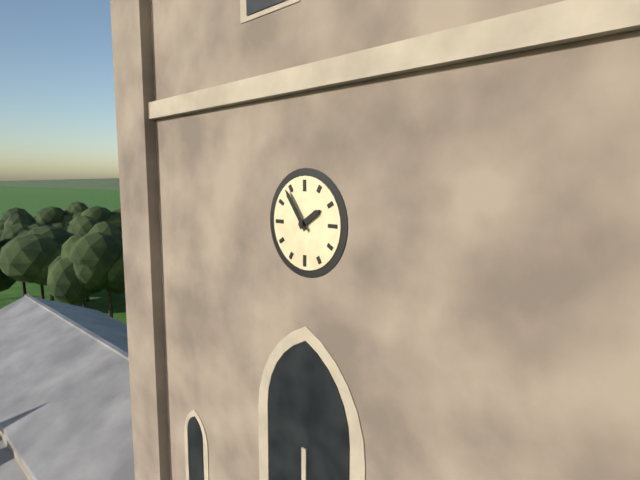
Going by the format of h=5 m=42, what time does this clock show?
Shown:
h=1 m=54
